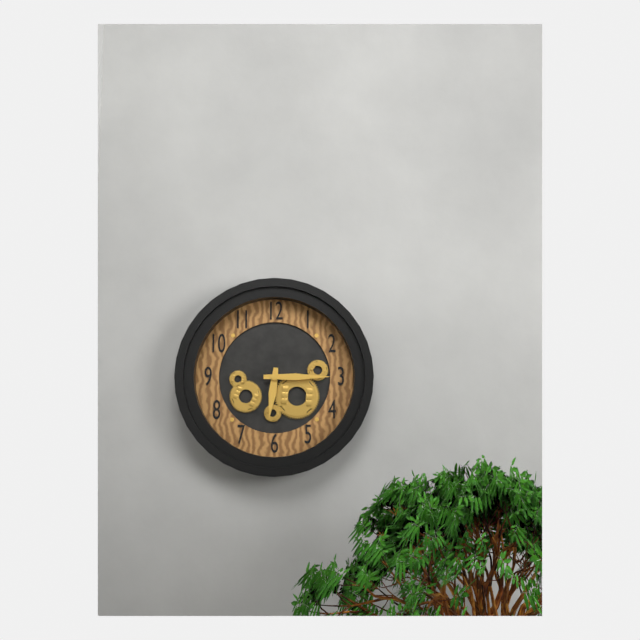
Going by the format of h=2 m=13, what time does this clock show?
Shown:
h=6 m=15
